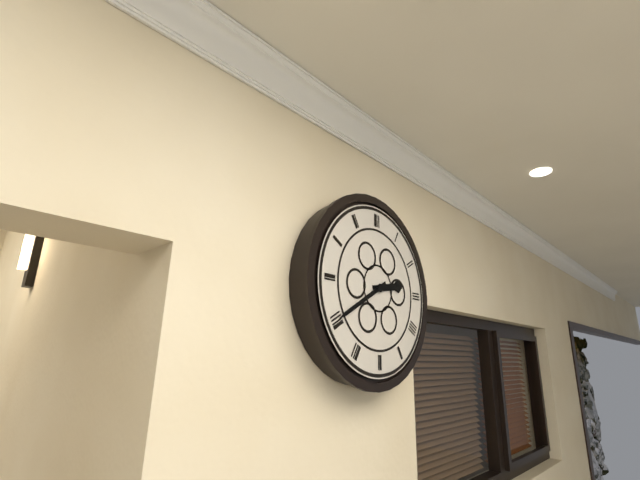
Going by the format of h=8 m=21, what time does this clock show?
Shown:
h=2 m=40
